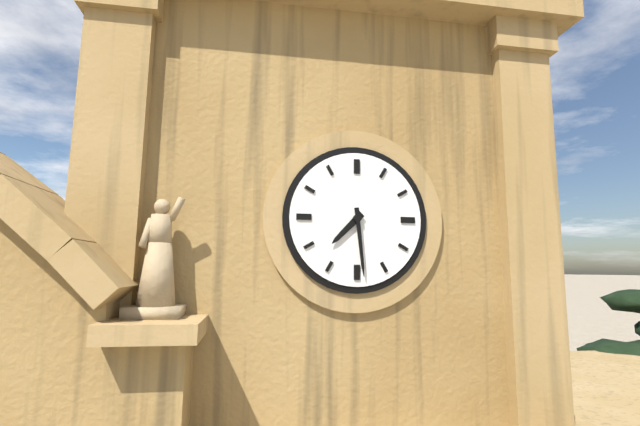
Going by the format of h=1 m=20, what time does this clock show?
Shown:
h=7 m=29
